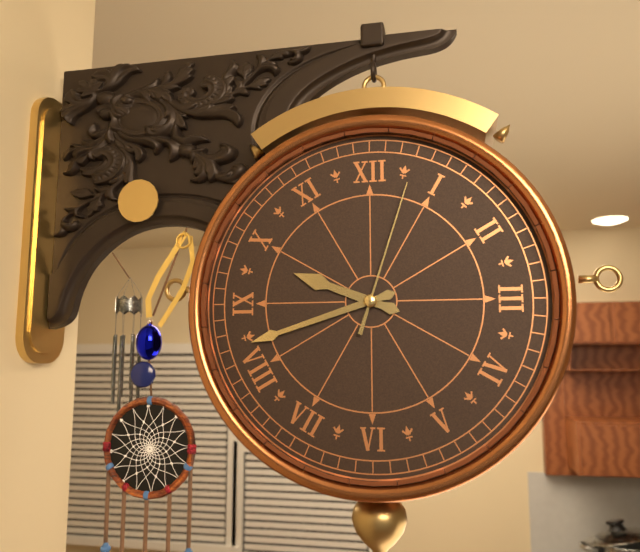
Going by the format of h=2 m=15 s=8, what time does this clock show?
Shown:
h=9 m=42 s=3
